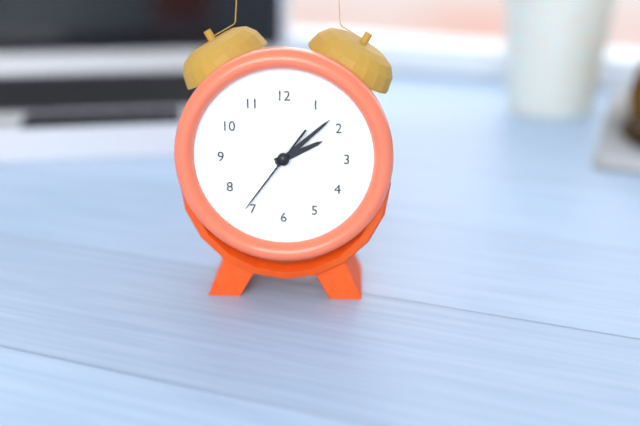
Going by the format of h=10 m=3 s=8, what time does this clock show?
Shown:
h=2 m=8 s=36
